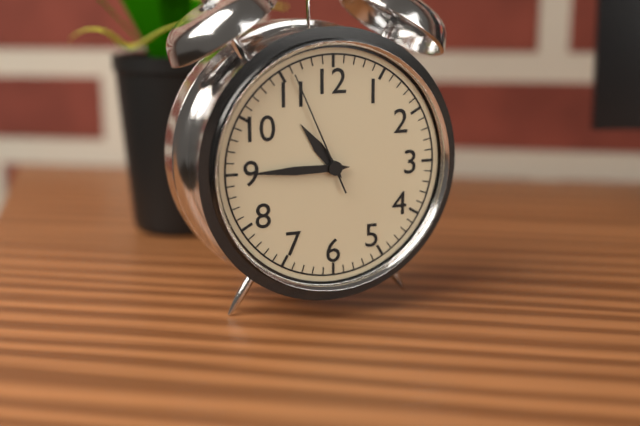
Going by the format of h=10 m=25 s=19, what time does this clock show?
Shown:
h=10 m=45 s=56
